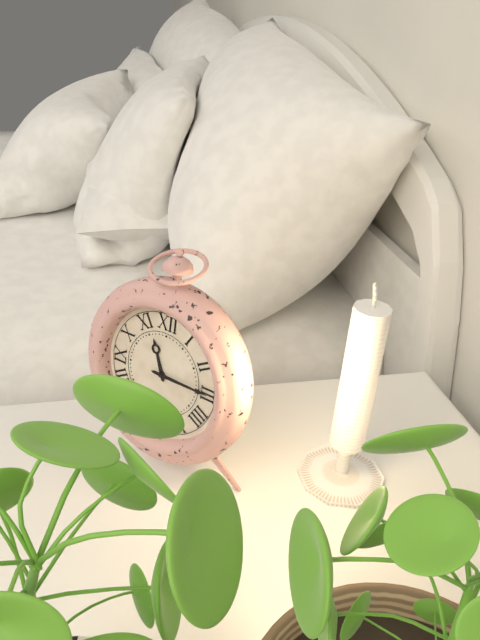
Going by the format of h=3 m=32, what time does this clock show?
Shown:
h=11 m=15
